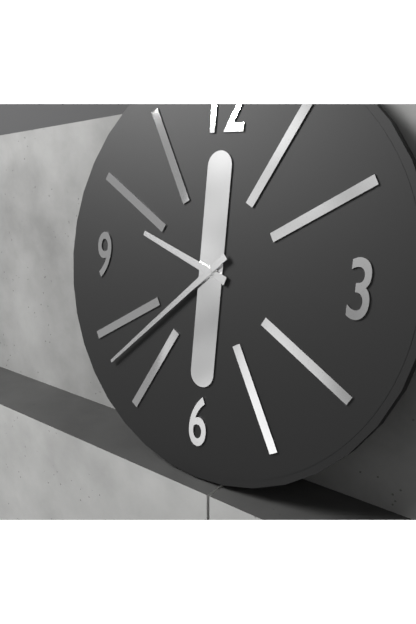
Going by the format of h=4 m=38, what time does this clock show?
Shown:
h=9 m=38
